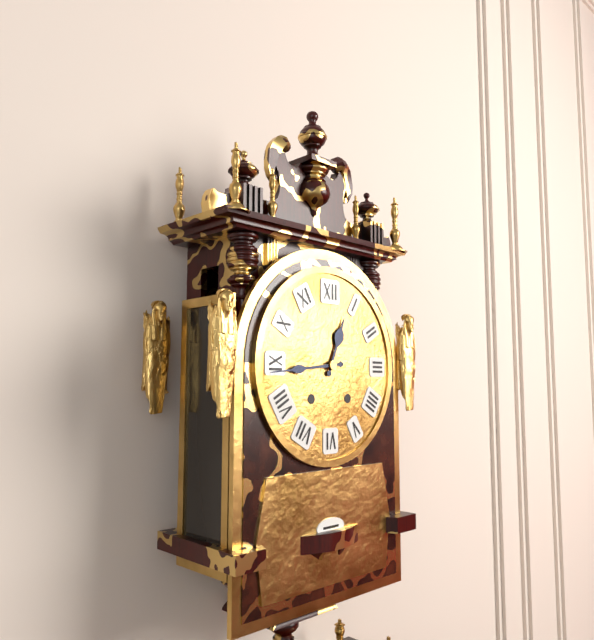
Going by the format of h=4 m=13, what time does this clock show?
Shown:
h=12 m=44
